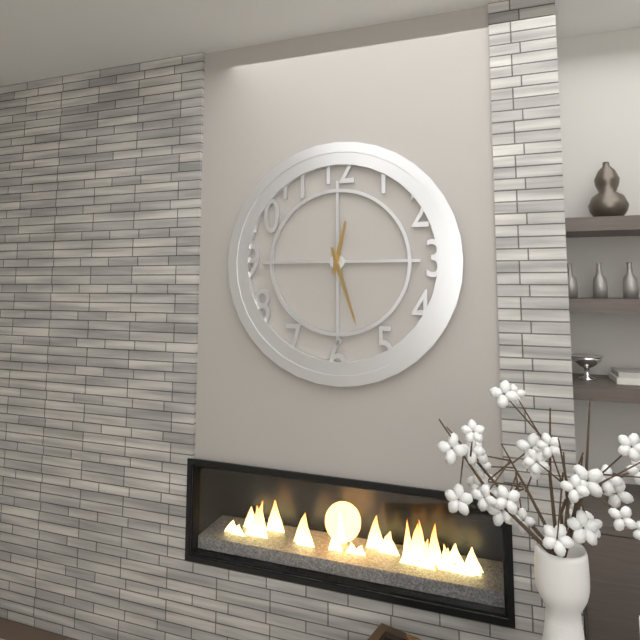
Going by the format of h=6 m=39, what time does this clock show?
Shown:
h=12 m=27
